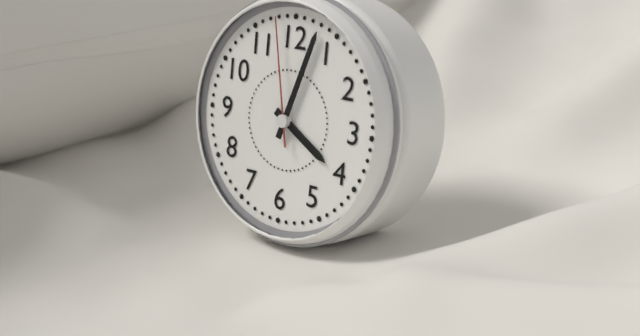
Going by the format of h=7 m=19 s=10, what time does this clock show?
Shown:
h=4 m=3 s=58
